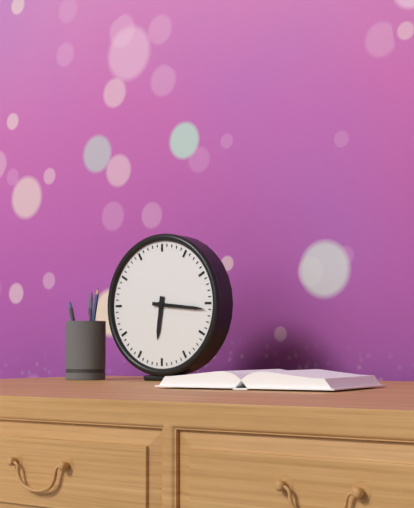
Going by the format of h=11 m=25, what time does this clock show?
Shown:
h=6 m=16
